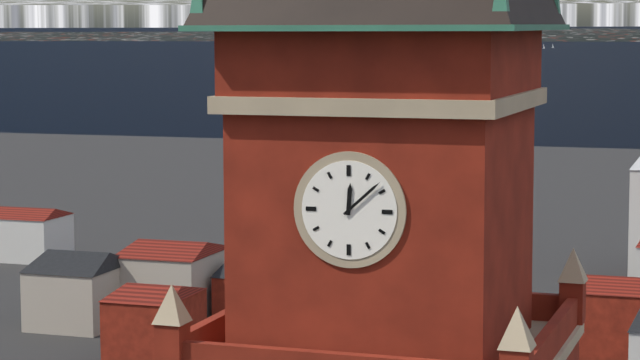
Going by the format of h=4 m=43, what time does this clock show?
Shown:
h=12 m=8
